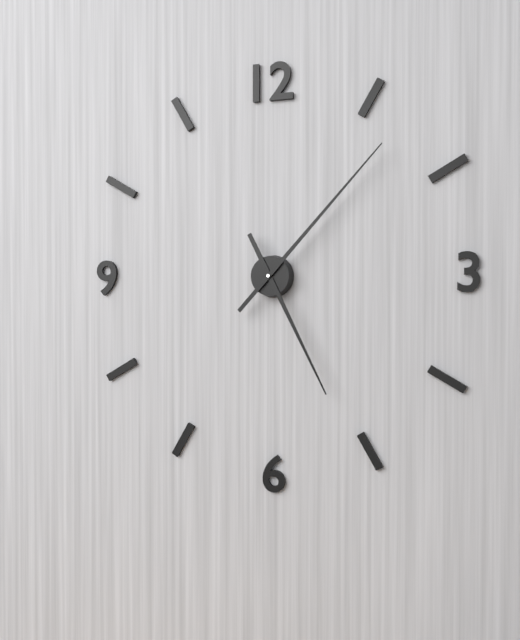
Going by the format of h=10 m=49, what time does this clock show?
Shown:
h=5 m=7
